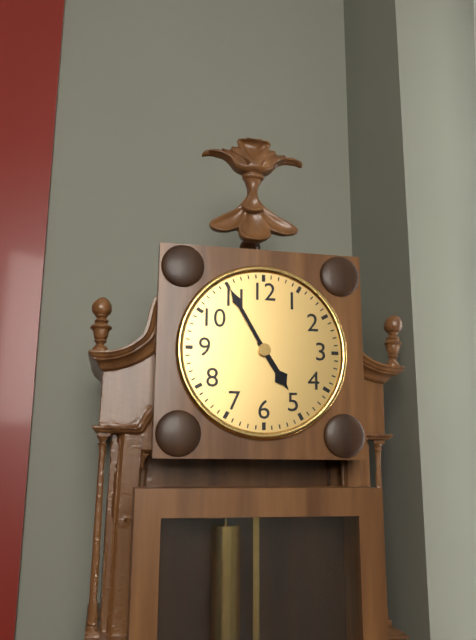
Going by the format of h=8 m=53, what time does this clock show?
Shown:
h=4 m=55
